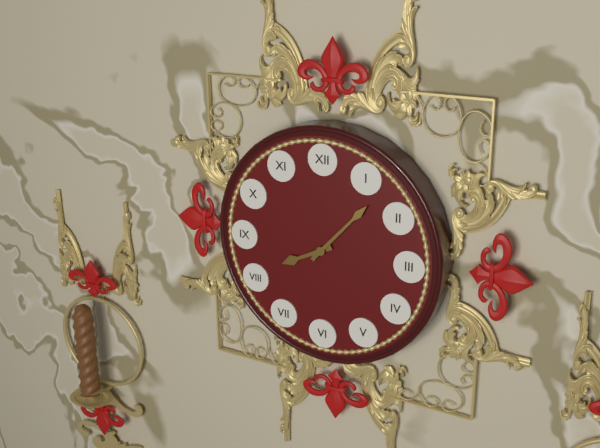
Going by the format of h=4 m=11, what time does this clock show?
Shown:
h=8 m=7
